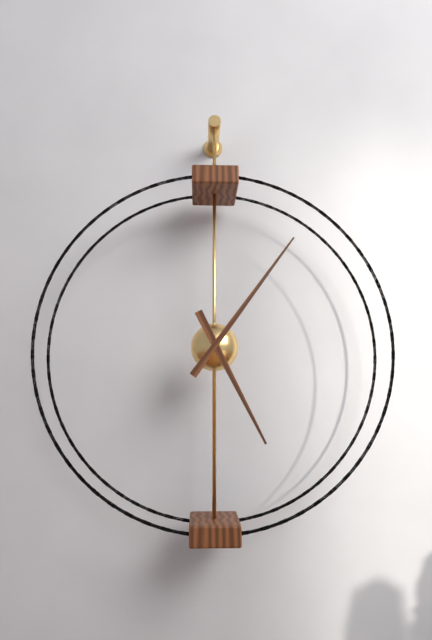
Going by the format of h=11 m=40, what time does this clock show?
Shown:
h=5 m=6
